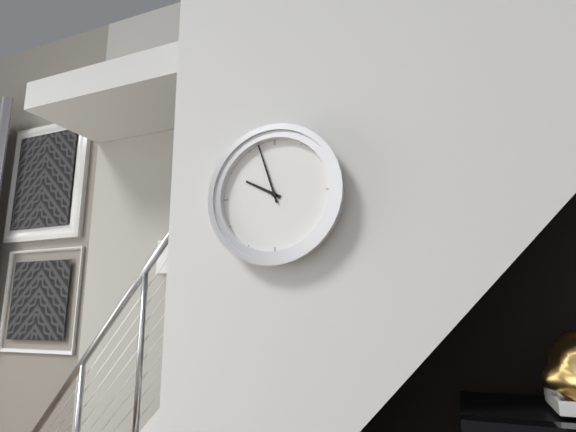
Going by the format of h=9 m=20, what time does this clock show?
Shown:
h=9 m=57
